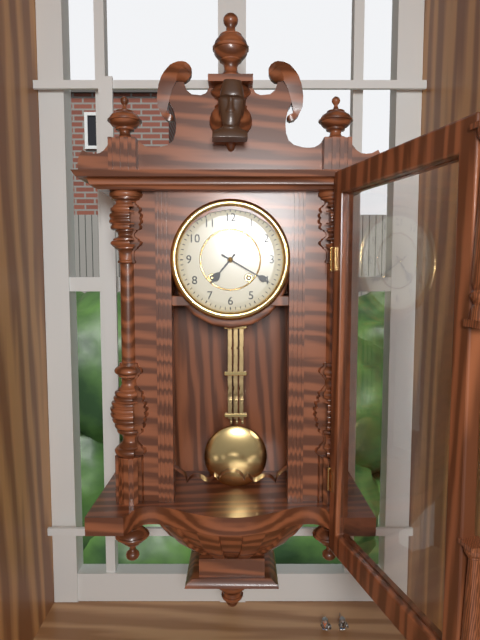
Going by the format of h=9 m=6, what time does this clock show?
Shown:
h=7 m=20
